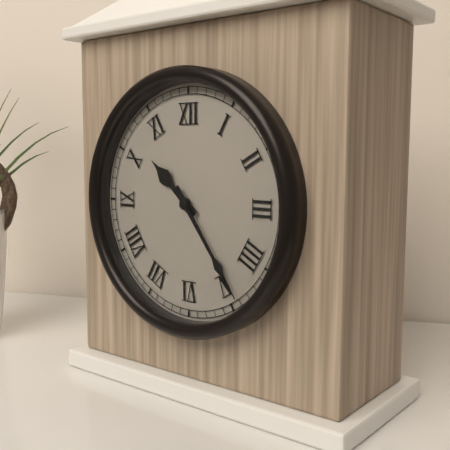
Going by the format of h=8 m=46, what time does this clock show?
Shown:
h=10 m=24
